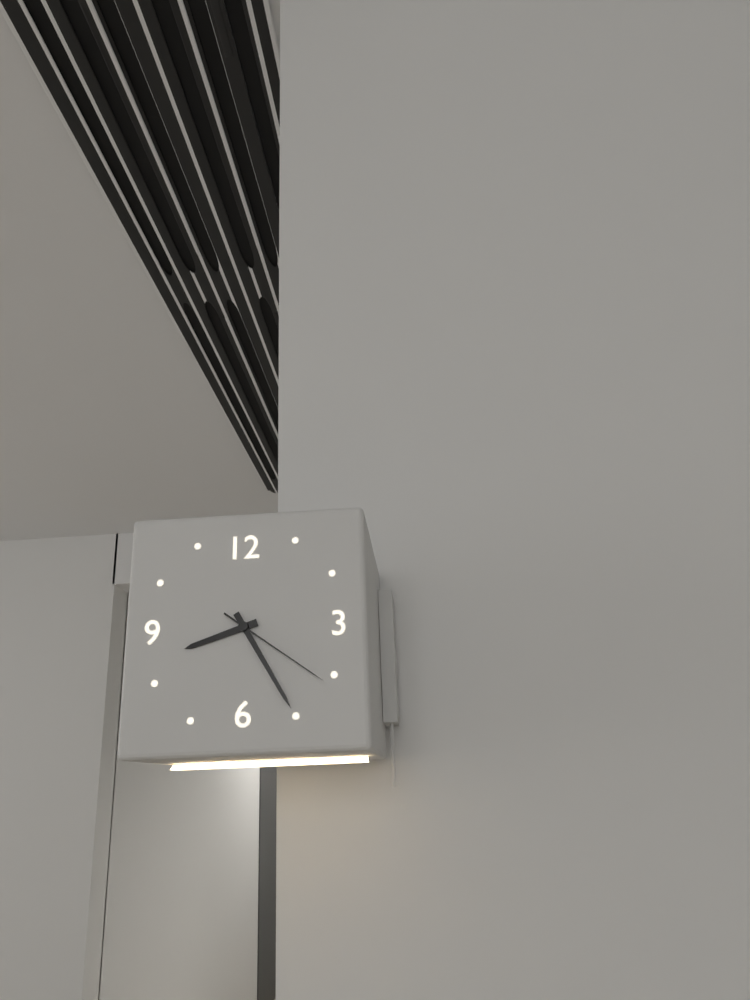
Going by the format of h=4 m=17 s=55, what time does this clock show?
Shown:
h=8 m=25 s=21
